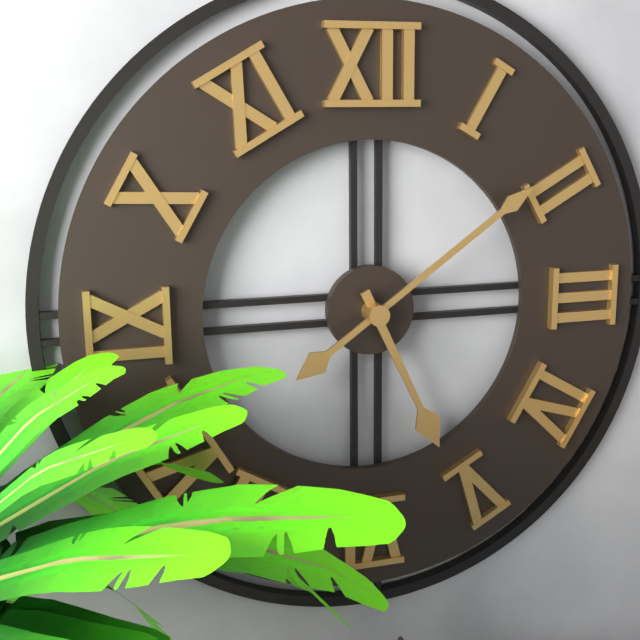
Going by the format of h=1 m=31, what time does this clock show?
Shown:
h=5 m=9
